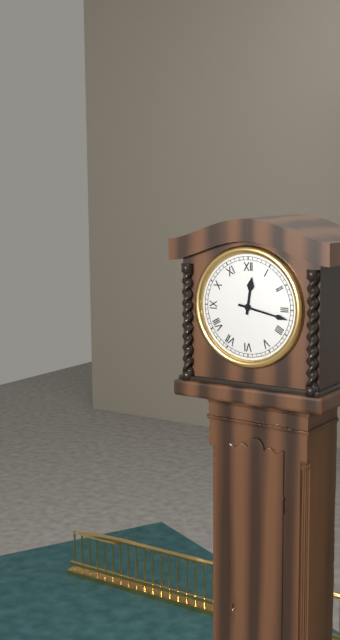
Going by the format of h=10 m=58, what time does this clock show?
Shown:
h=12 m=17
